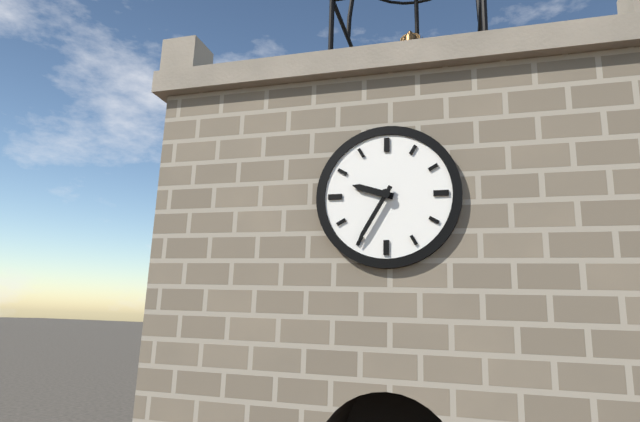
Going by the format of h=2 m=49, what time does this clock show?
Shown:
h=9 m=35
